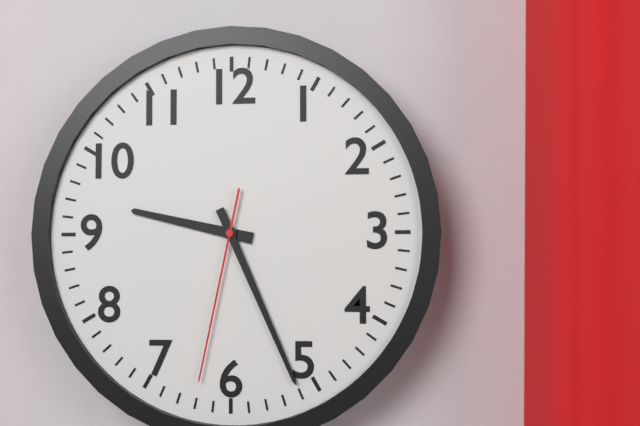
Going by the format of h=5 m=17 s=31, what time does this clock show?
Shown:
h=9 m=26 s=32
